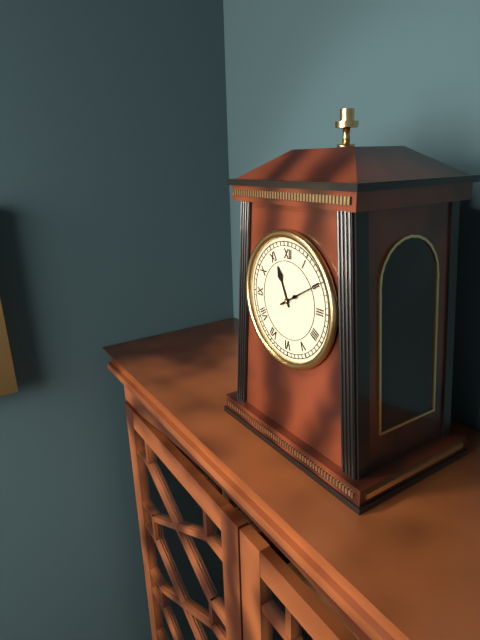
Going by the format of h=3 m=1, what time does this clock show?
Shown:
h=11 m=10
